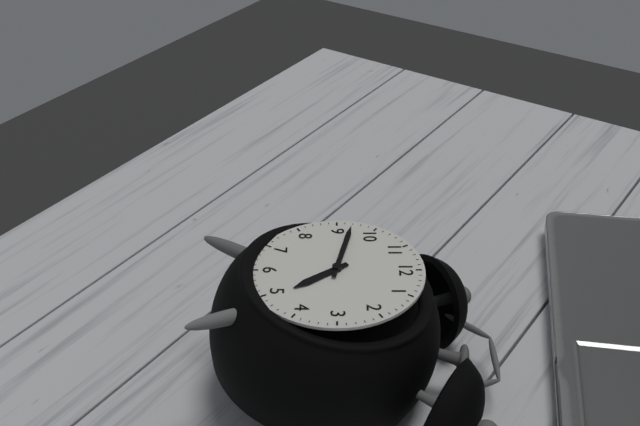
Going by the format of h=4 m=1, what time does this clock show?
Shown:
h=4 m=47
